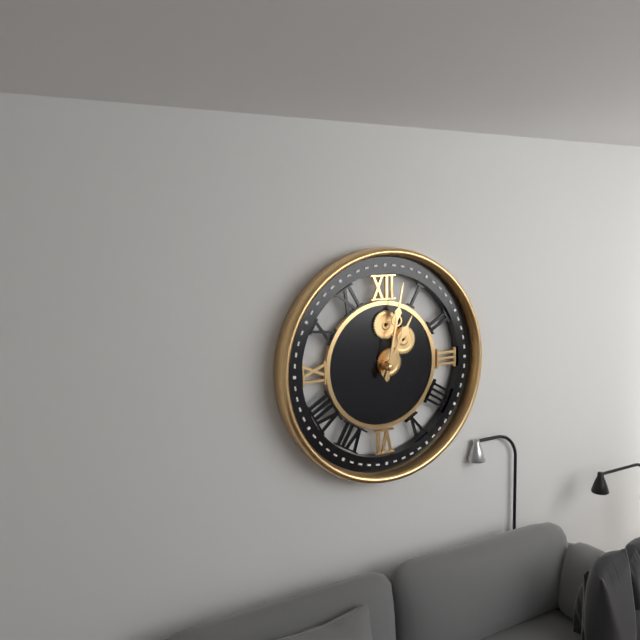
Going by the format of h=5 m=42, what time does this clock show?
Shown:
h=1 m=2
